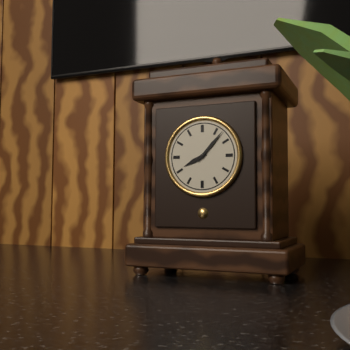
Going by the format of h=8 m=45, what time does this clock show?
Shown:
h=8 m=7
